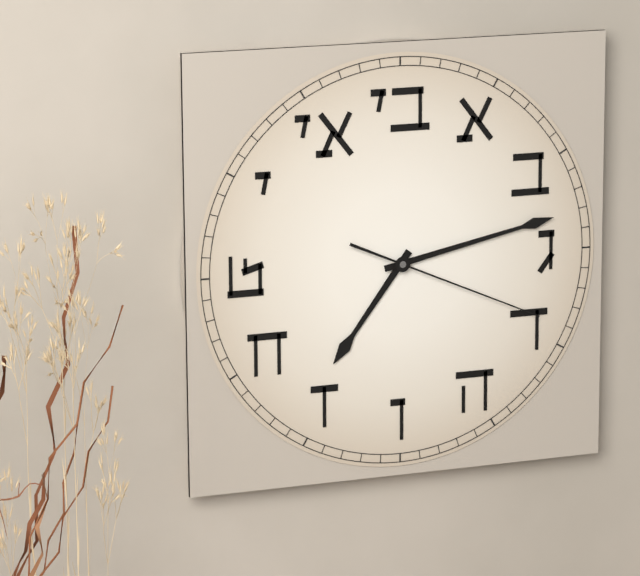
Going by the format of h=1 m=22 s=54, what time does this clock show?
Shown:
h=7 m=13 s=19
